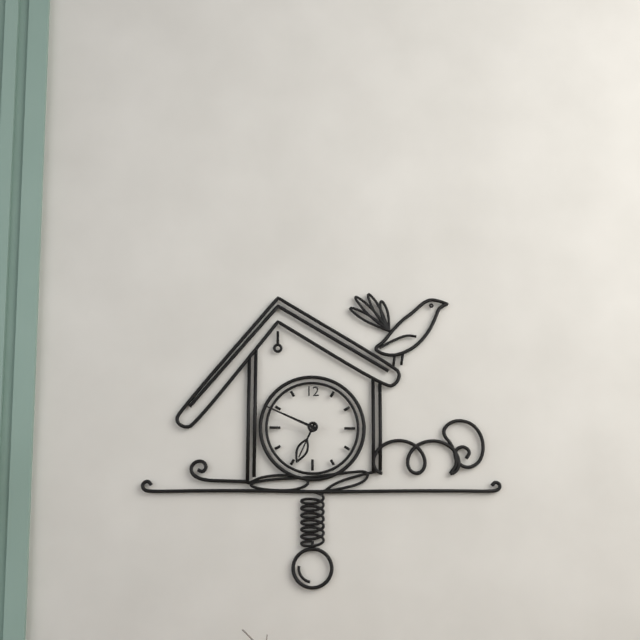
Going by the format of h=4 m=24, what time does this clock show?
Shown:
h=6 m=49
